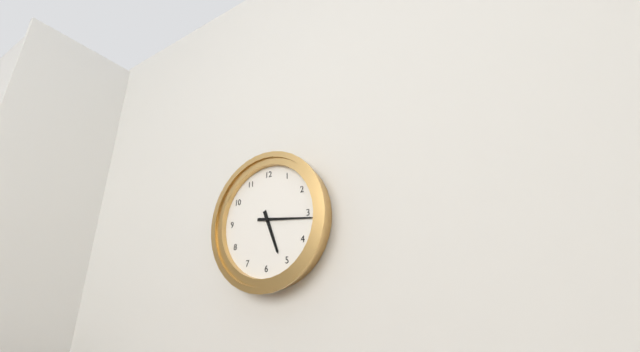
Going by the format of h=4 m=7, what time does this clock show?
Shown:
h=5 m=16
